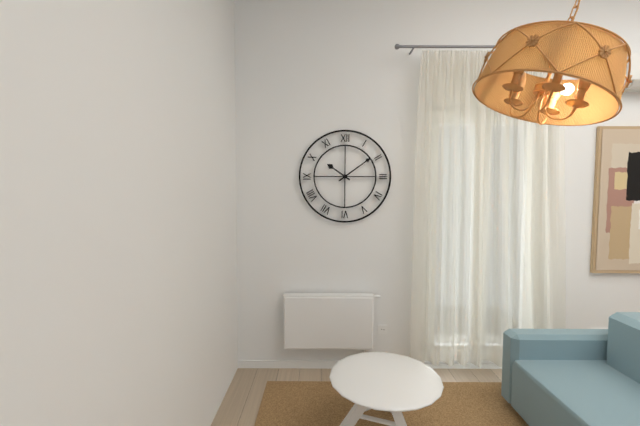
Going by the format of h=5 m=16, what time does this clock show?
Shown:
h=10 m=9
